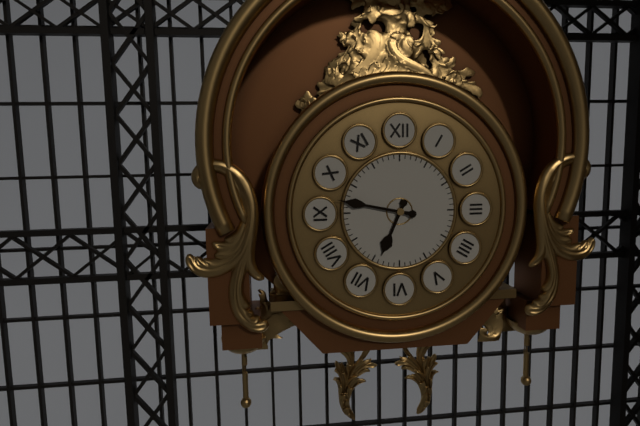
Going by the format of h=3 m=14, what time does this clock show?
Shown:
h=6 m=47
